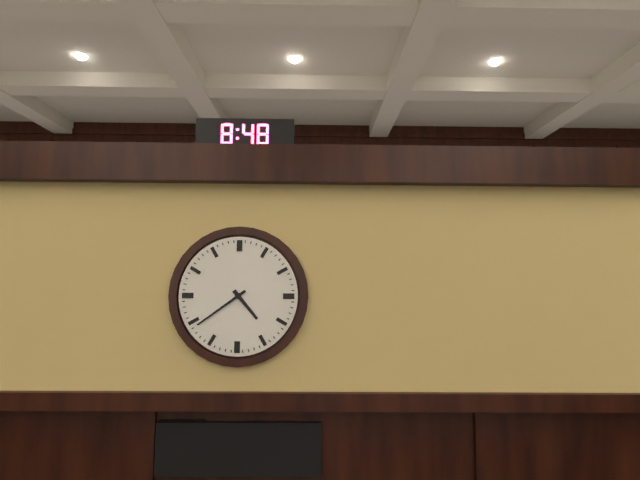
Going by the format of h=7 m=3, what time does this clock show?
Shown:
h=4 m=39
